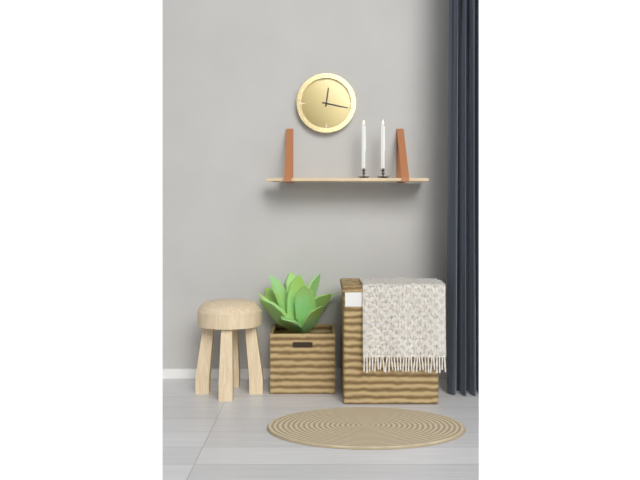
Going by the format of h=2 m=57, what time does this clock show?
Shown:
h=12 m=17
